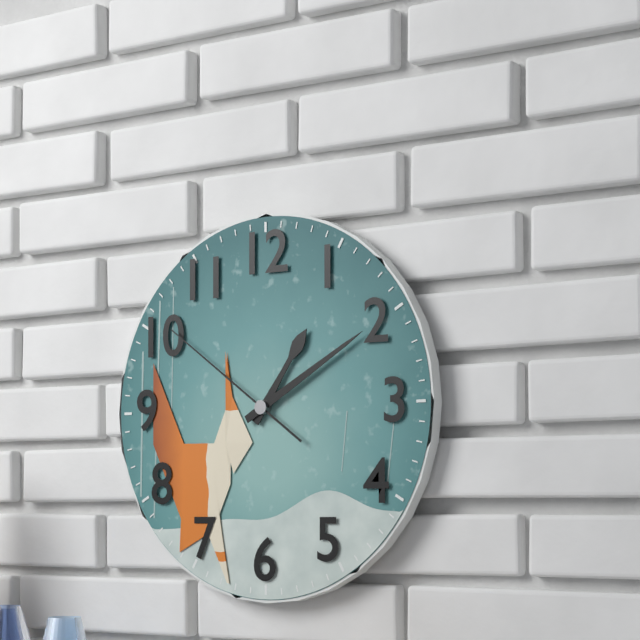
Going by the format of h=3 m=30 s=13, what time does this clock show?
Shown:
h=1 m=10 s=51
